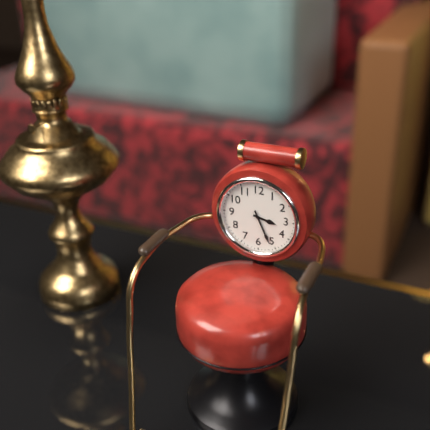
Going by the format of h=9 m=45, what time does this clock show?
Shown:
h=3 m=26
